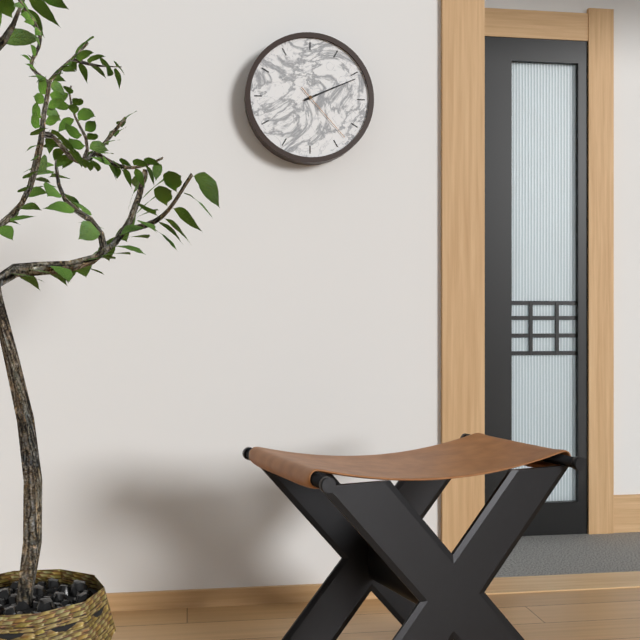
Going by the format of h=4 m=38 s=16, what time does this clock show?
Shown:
h=2 m=11 s=23
